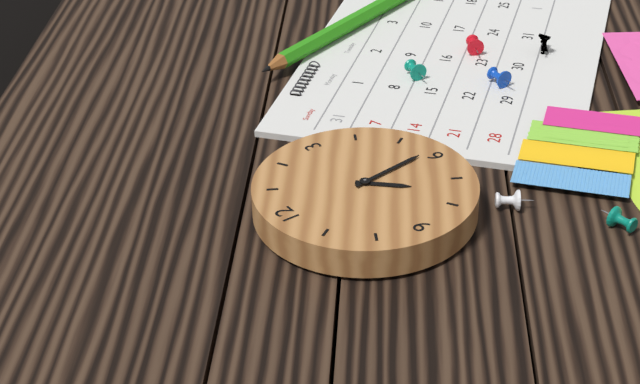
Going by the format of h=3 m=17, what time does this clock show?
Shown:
h=7 m=29
